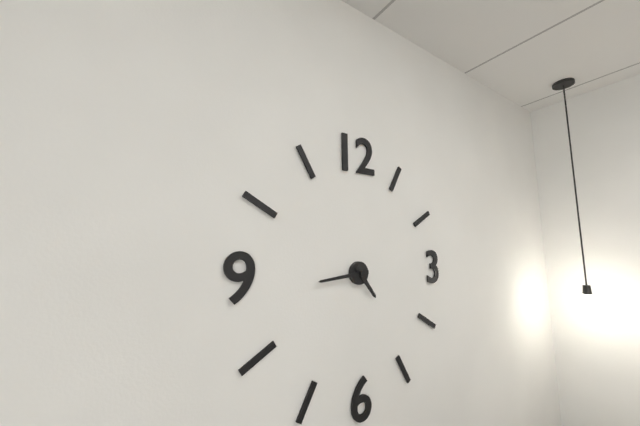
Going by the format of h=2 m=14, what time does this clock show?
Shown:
h=4 m=44
